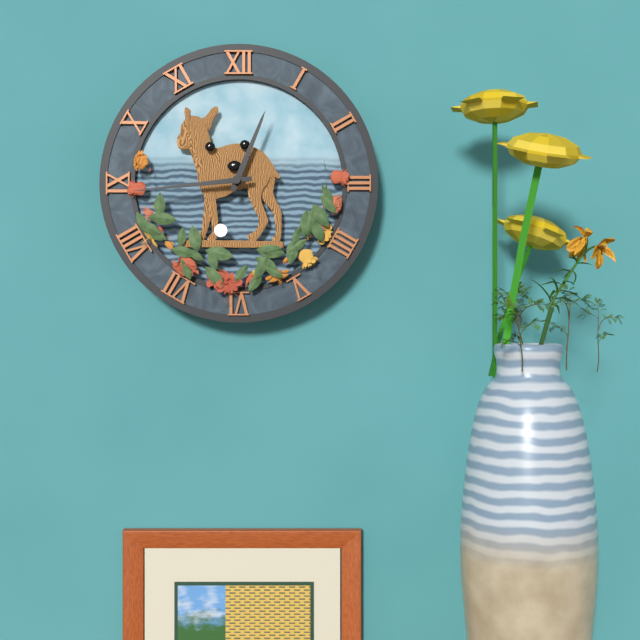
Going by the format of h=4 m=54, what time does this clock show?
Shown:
h=12 m=44
